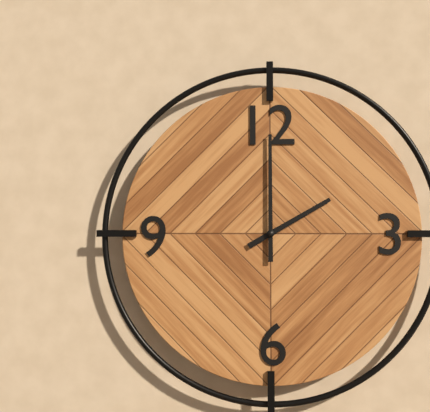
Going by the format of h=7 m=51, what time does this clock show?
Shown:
h=2 m=0
